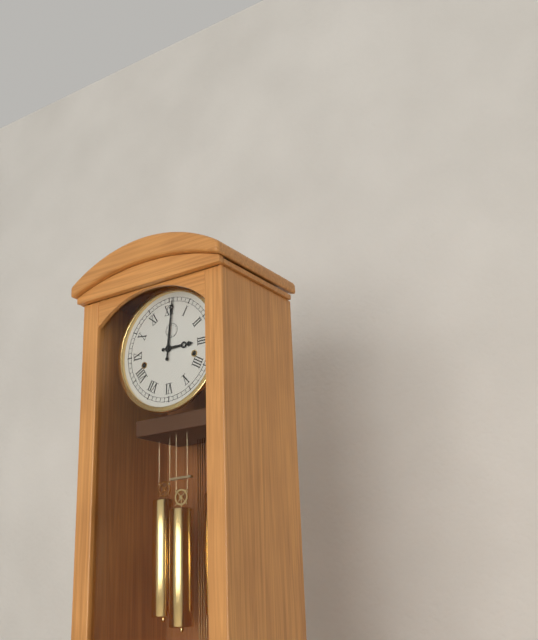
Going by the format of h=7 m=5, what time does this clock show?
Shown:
h=3 m=1
